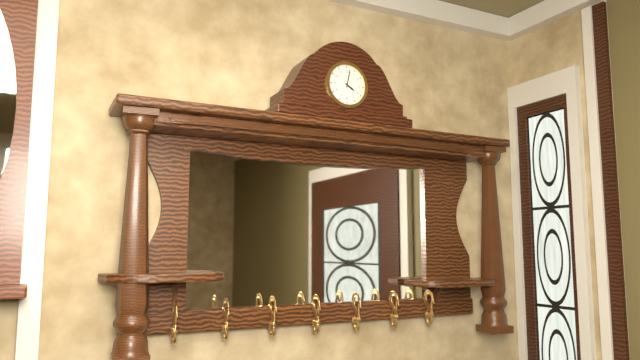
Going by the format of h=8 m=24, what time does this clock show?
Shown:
h=4 m=2
